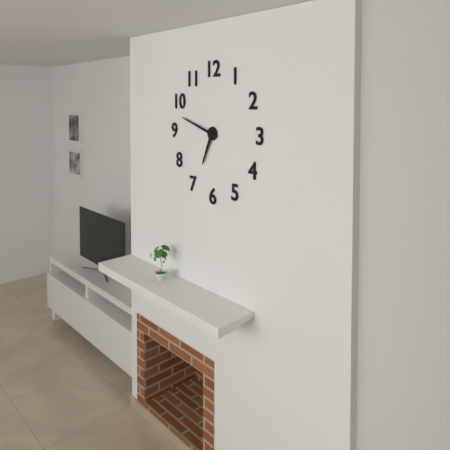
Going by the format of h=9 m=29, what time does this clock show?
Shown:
h=6 m=48
